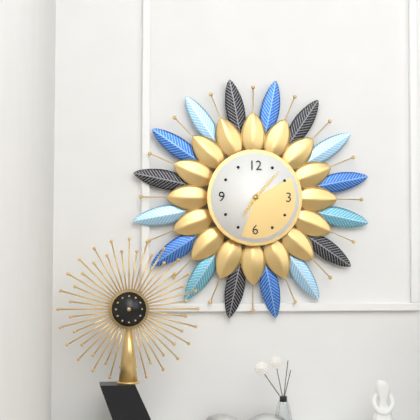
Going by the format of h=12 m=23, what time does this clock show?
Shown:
h=7 m=7
